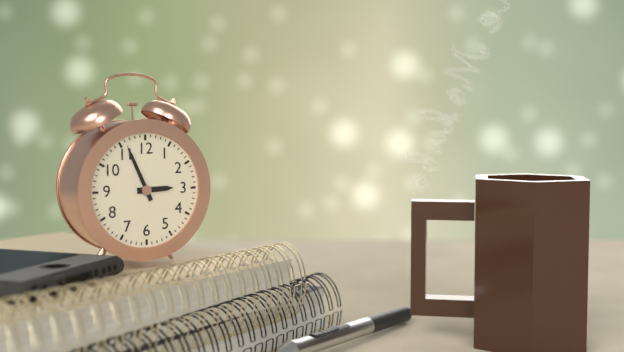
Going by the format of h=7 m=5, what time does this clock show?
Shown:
h=2 m=56
